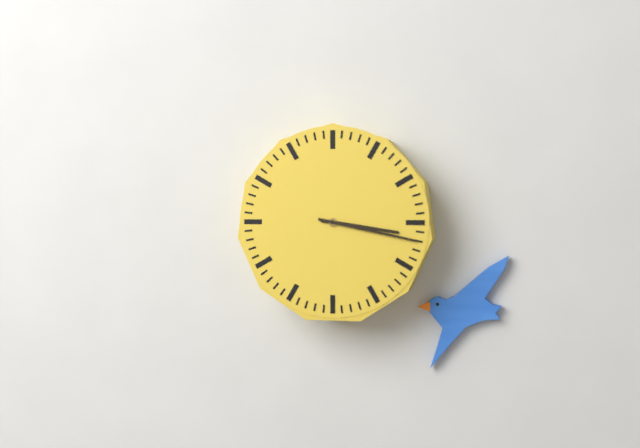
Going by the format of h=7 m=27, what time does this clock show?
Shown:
h=3 m=17
